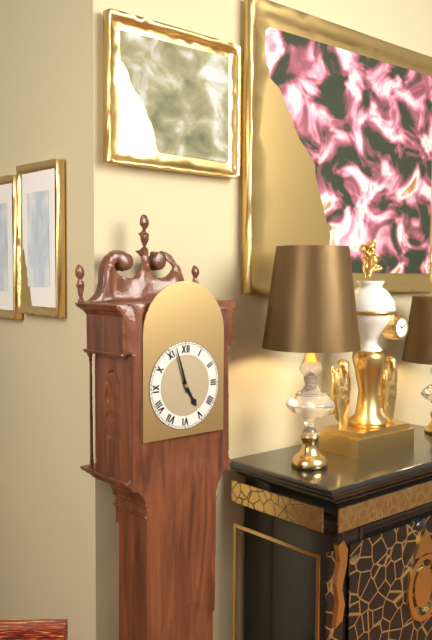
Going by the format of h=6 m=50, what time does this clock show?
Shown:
h=4 m=57
